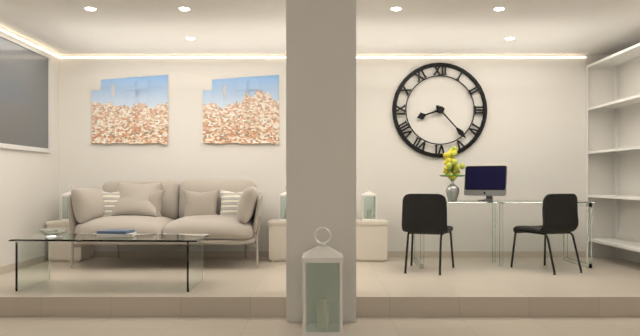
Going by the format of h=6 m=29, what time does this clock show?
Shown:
h=8 m=23
